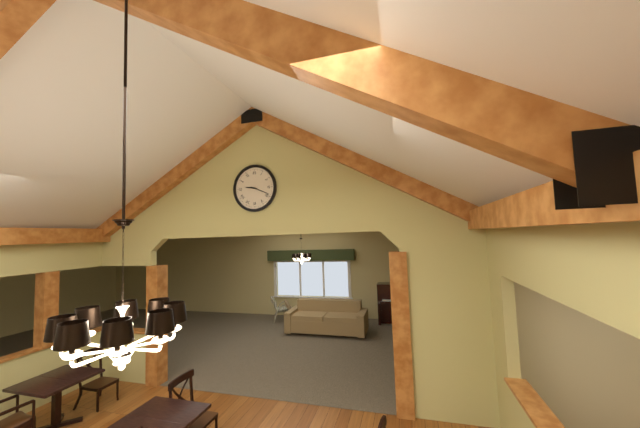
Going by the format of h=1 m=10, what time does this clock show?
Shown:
h=9 m=19
